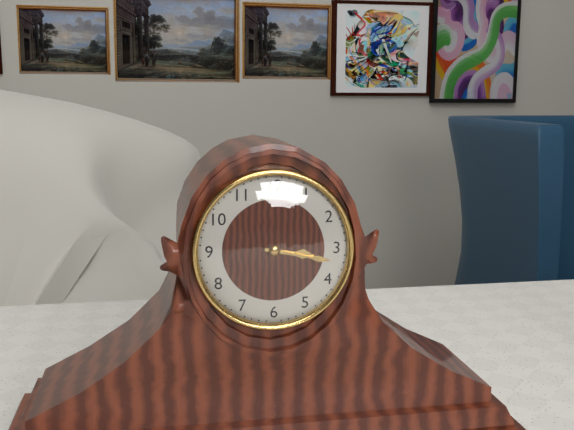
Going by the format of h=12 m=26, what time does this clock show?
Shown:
h=3 m=17
